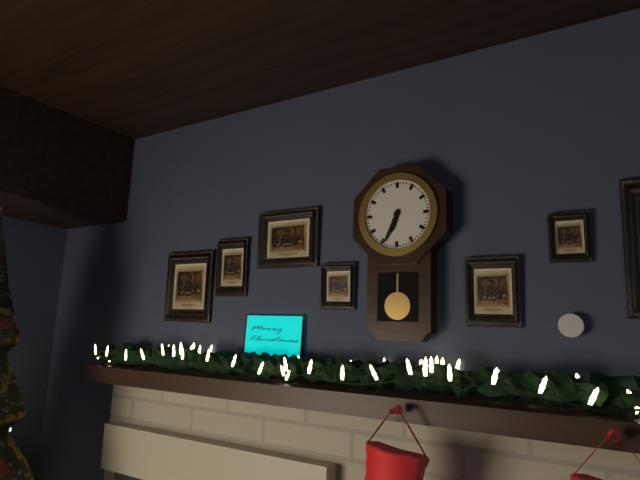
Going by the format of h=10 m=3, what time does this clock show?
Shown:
h=6 m=34
